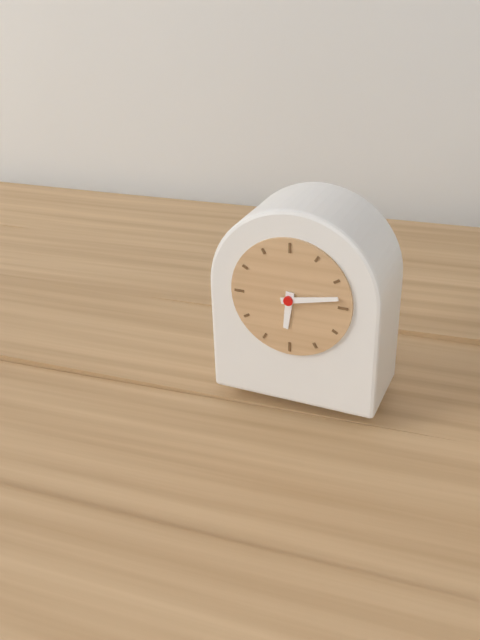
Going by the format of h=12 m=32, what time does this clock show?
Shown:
h=6 m=13
